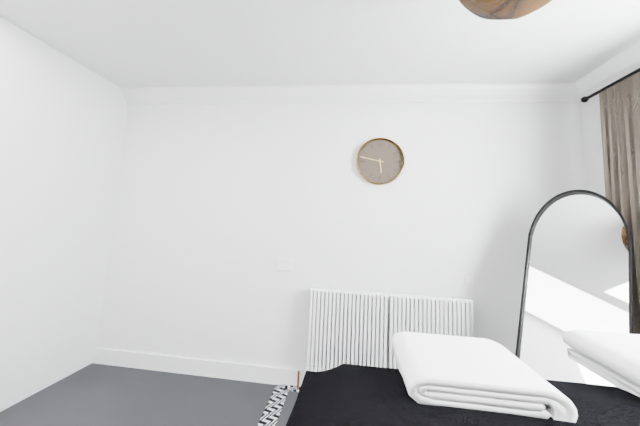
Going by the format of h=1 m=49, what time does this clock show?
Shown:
h=5 m=47
